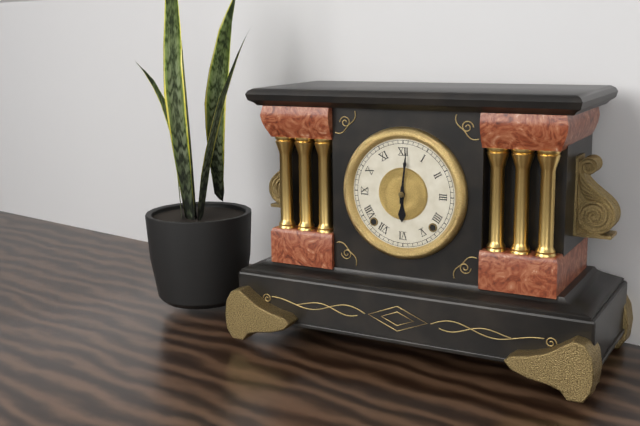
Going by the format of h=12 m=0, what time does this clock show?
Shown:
h=6 m=1
